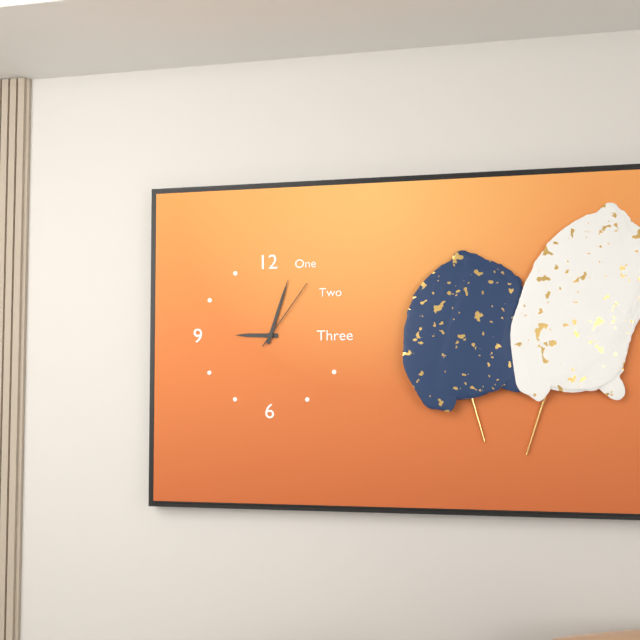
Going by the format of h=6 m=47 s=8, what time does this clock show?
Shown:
h=9 m=3 s=6
